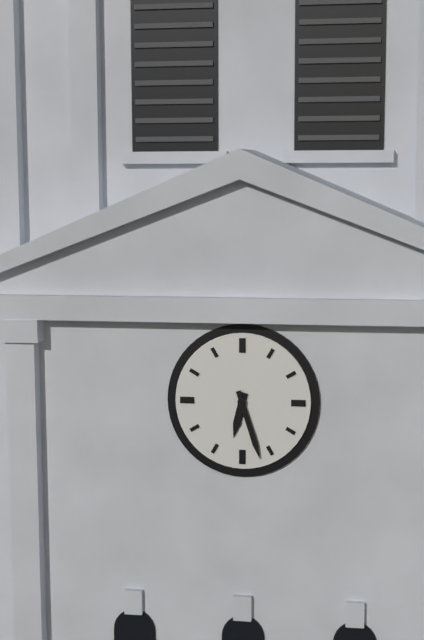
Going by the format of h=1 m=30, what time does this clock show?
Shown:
h=6 m=27
